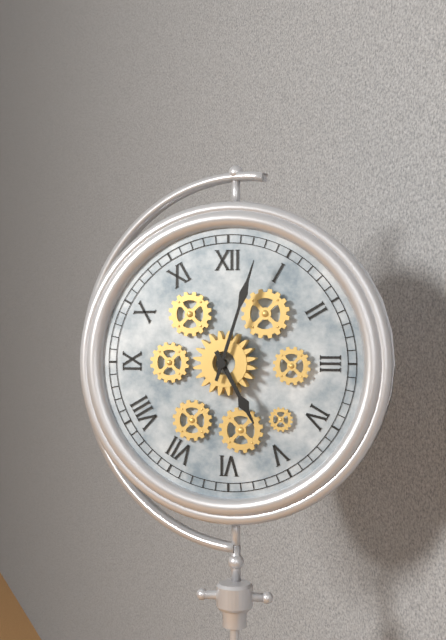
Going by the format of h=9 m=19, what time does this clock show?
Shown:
h=5 m=3
